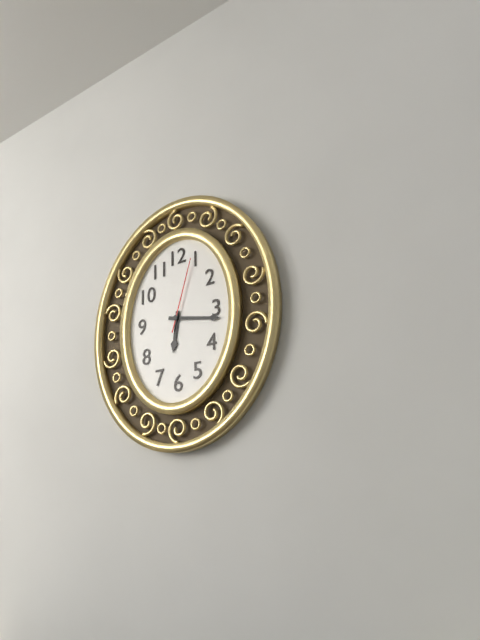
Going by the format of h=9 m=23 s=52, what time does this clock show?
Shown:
h=6 m=17 s=3
